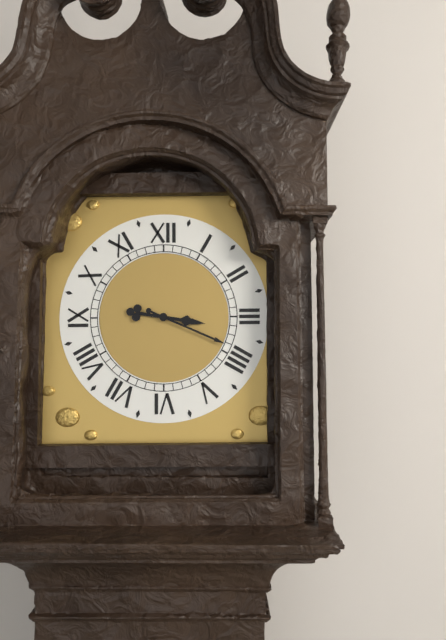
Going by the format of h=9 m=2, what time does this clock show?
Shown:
h=3 m=19
